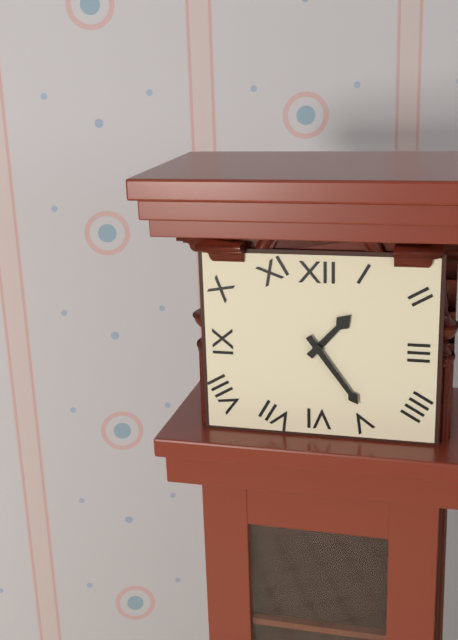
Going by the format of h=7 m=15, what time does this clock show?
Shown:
h=1 m=24
